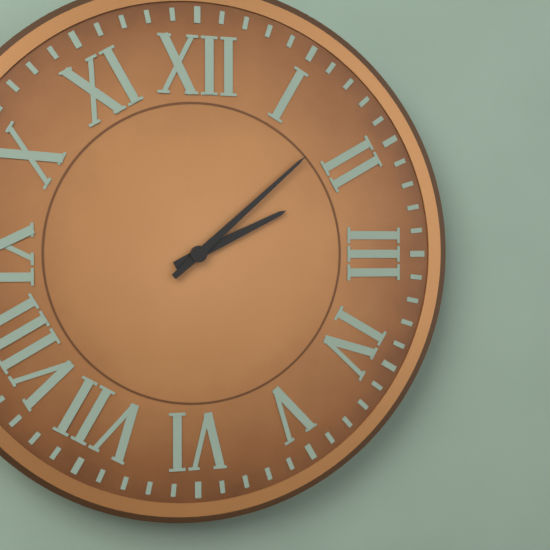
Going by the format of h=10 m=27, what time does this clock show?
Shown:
h=2 m=8
